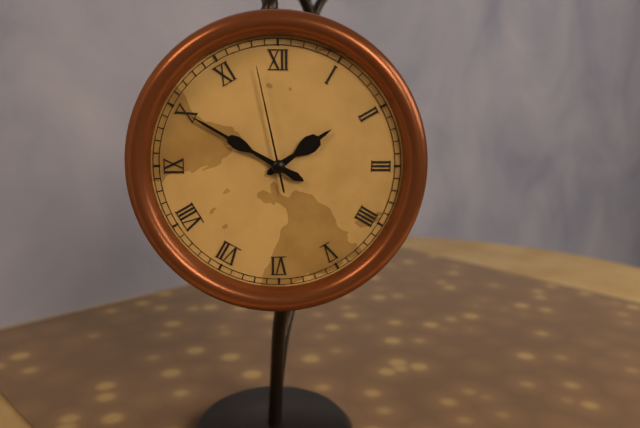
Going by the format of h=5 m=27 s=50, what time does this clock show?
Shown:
h=1 m=50 s=58
